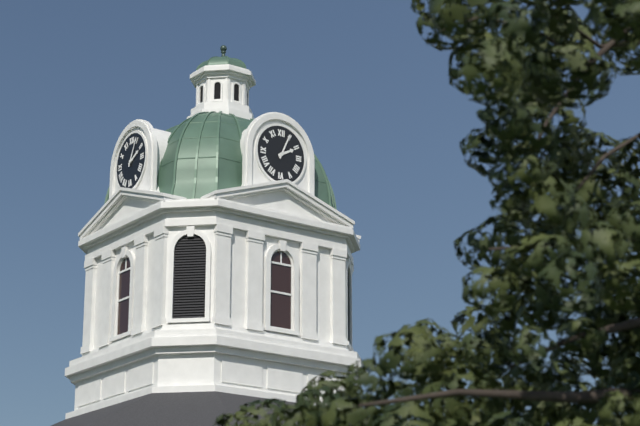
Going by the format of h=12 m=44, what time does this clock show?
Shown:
h=2 m=4
